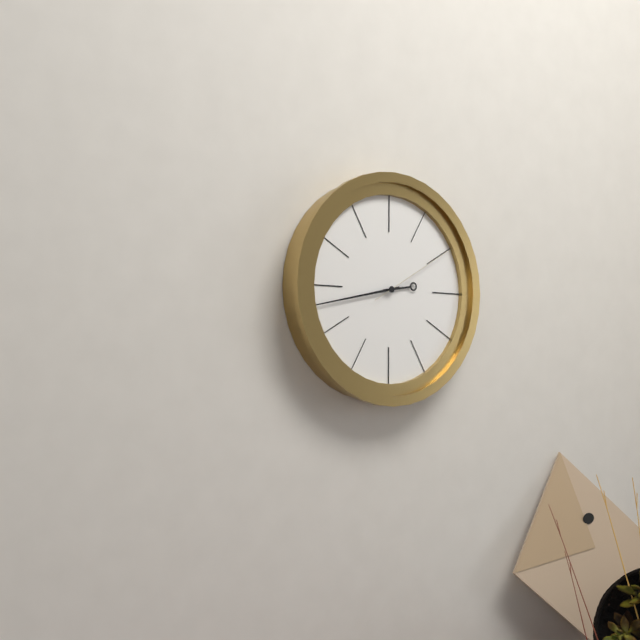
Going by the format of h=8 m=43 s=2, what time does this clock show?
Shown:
h=2 m=43 s=10
